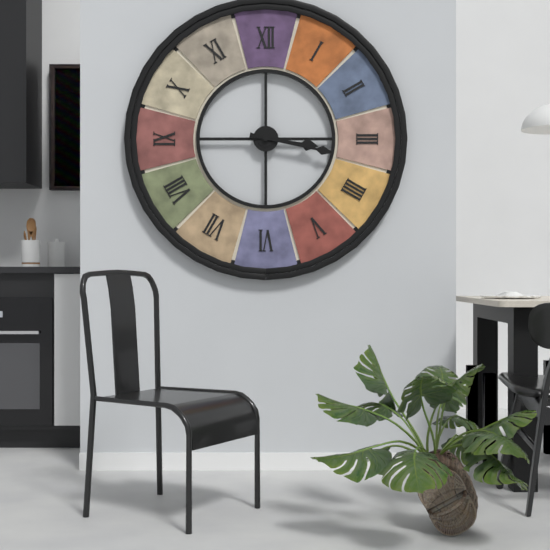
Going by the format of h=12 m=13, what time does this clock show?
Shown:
h=3 m=17
